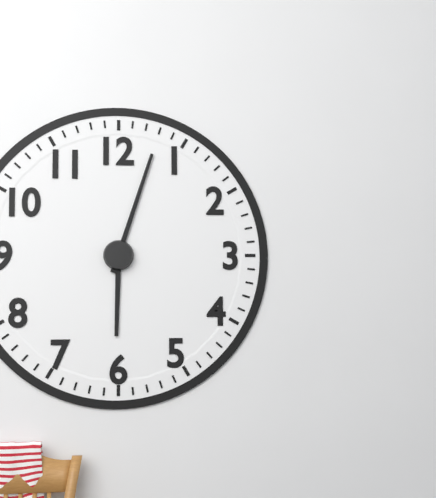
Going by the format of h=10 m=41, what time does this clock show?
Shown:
h=6 m=3
